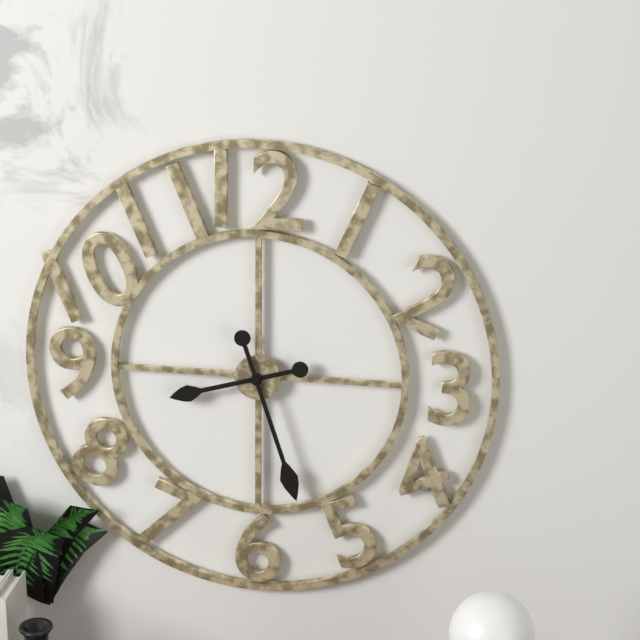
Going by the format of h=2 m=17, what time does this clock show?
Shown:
h=8 m=27
